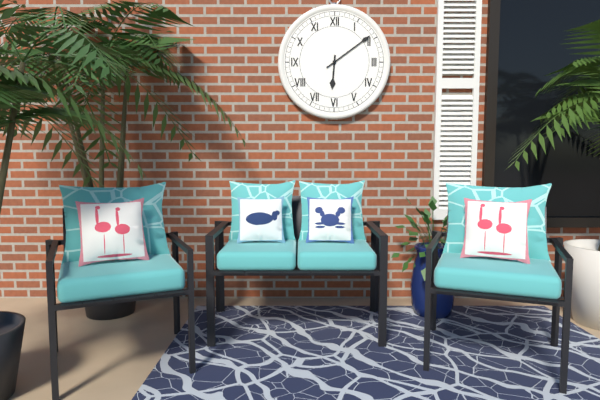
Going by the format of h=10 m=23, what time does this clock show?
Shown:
h=6 m=9
